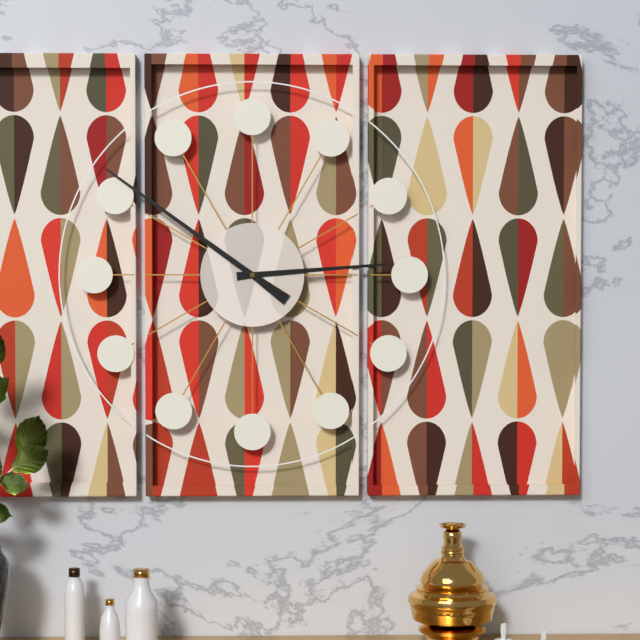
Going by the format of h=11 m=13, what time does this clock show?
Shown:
h=2 m=51
